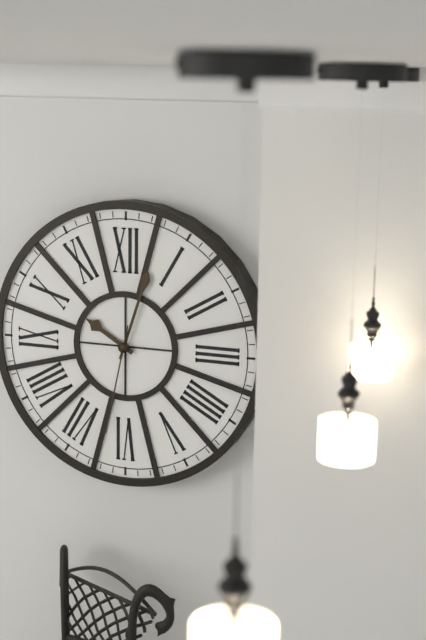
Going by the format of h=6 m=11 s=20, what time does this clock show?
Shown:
h=10 m=3 s=32
